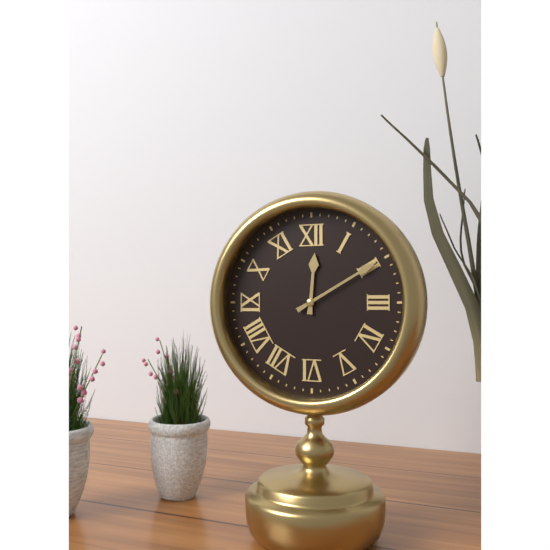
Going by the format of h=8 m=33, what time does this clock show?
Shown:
h=12 m=10
